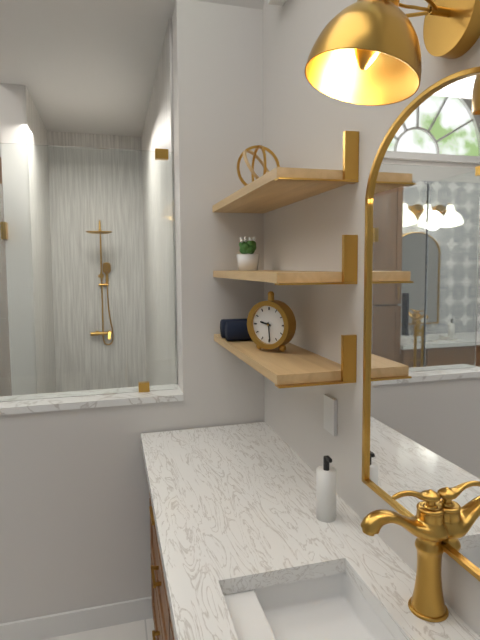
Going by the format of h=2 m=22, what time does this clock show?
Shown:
h=9 m=29
